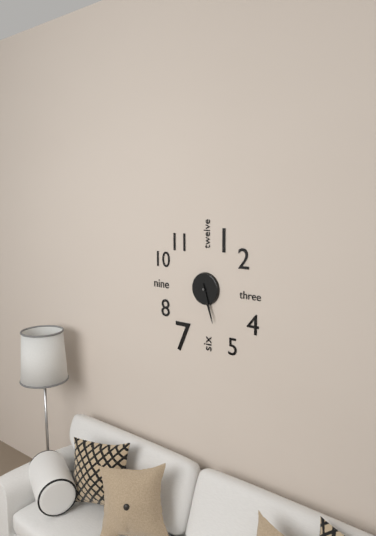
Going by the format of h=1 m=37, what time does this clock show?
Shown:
h=5 m=27
